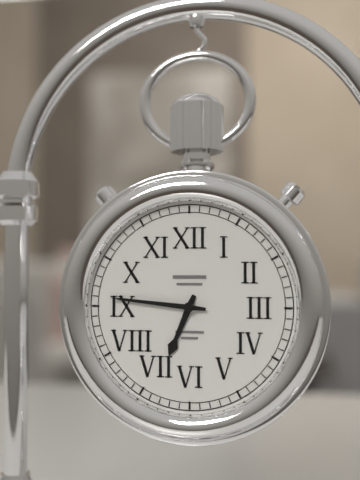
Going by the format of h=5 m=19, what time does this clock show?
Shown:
h=6 m=46
